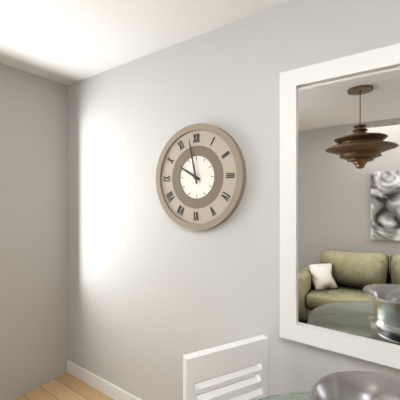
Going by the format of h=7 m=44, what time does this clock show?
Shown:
h=9 m=58
